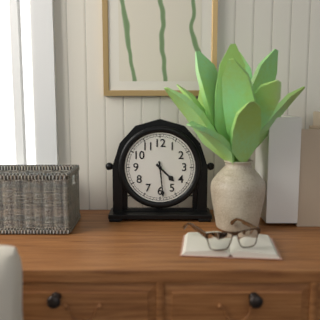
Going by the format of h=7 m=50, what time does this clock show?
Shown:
h=4 m=29
